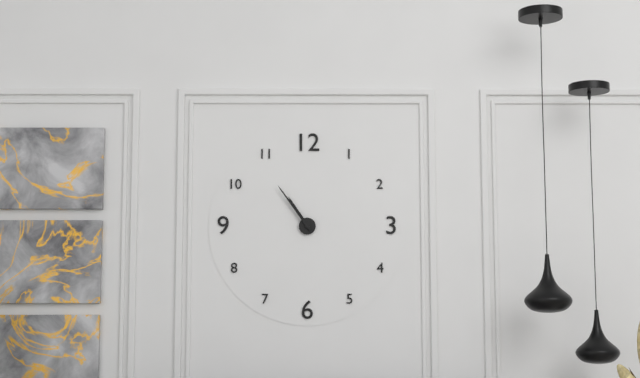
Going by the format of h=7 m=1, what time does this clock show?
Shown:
h=10 m=54
